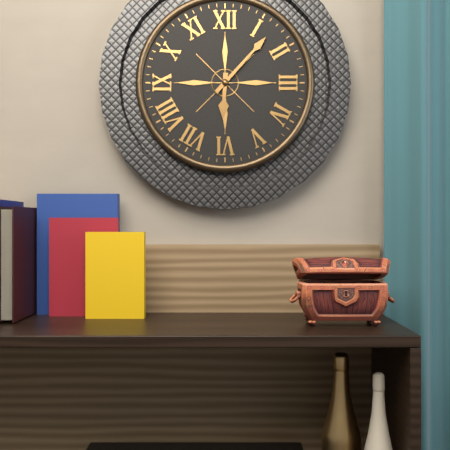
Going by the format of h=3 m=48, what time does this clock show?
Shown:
h=6 m=7
